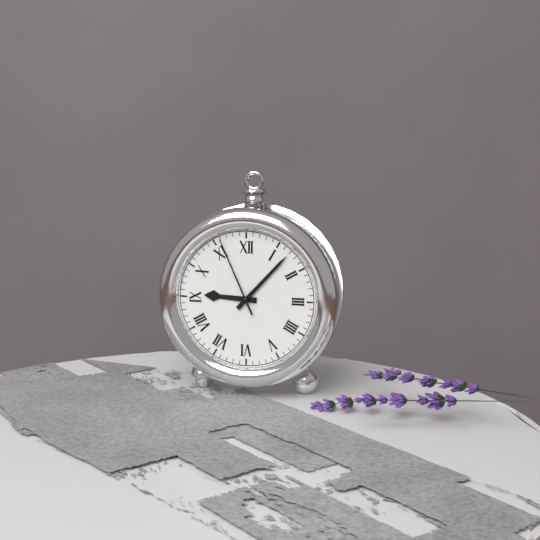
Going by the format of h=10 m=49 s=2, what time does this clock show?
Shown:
h=9 m=7 s=56
